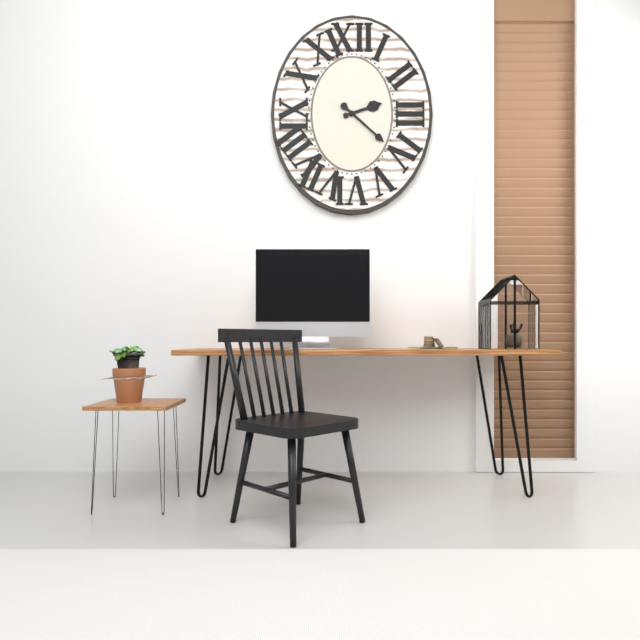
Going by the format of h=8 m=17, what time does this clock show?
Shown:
h=2 m=22
